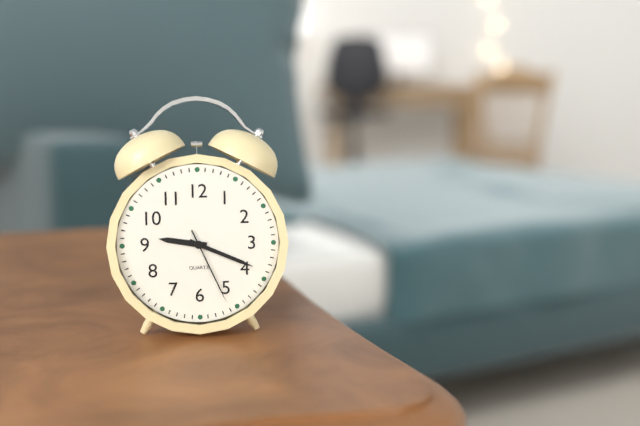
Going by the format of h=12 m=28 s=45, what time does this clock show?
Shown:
h=9 m=19 s=26
